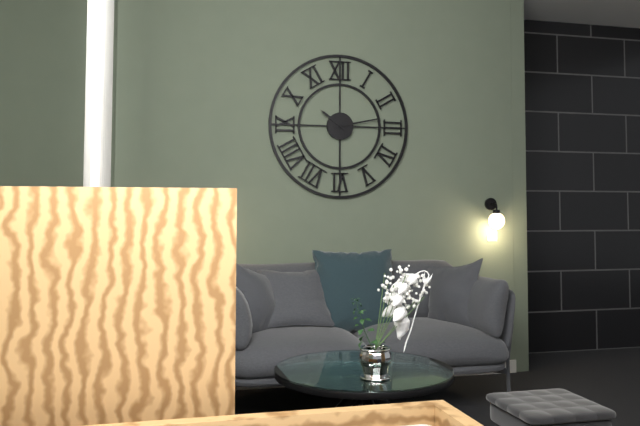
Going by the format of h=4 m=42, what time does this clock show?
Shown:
h=10 m=13
